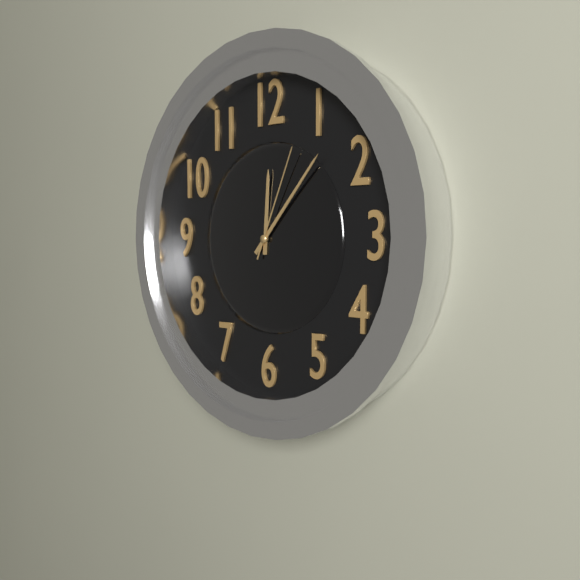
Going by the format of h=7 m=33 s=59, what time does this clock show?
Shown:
h=12 m=7 s=4
